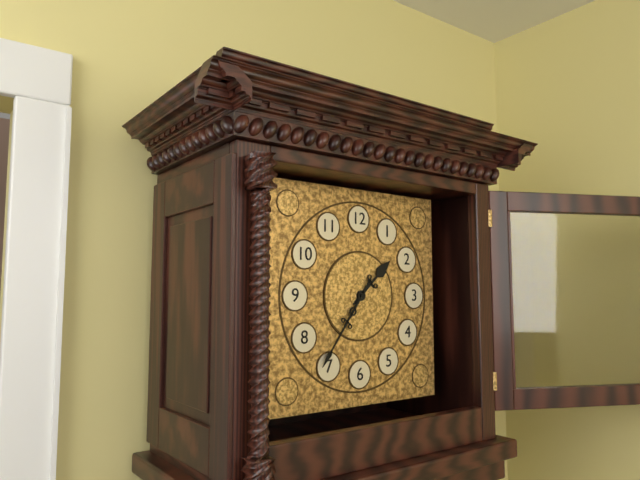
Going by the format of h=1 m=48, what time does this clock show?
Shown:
h=1 m=36
